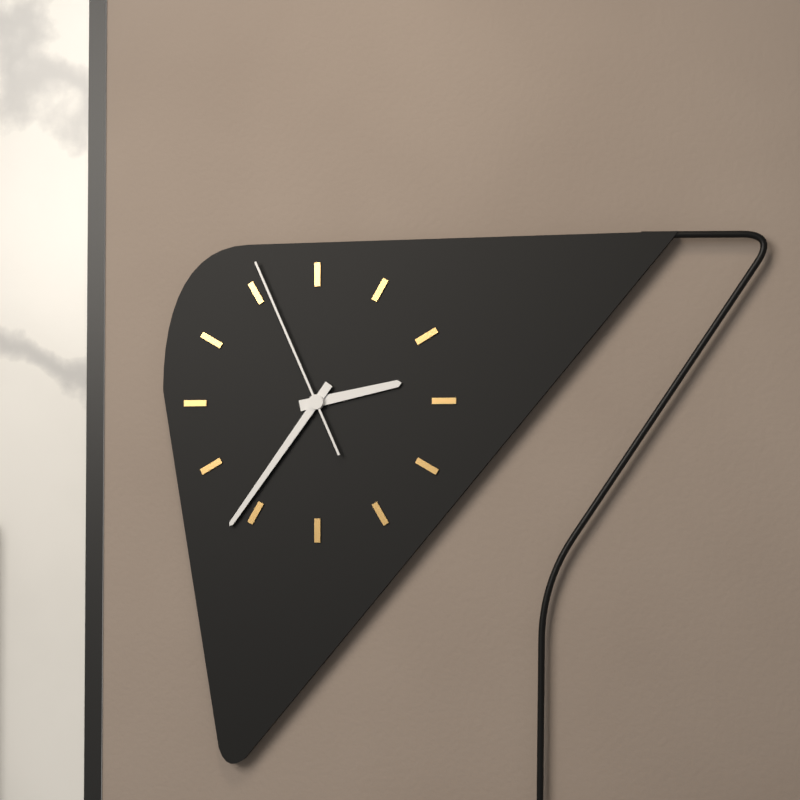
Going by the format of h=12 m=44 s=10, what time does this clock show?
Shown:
h=2 m=36 s=56
